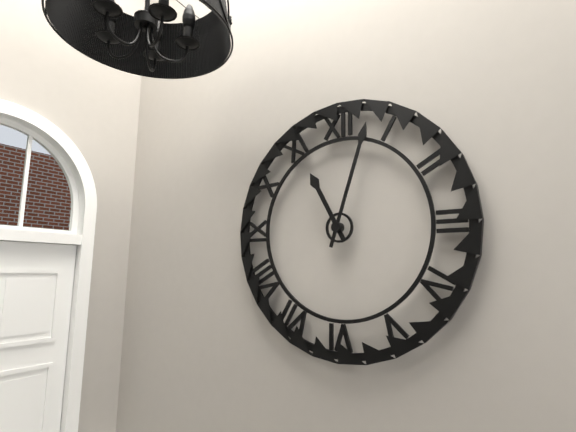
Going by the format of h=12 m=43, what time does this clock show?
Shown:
h=11 m=3
